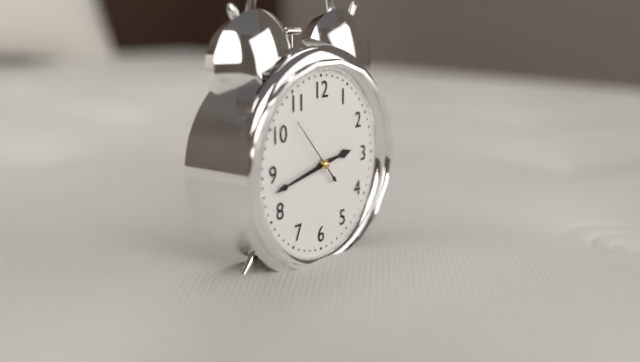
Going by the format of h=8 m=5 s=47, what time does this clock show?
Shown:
h=2 m=43 s=53
